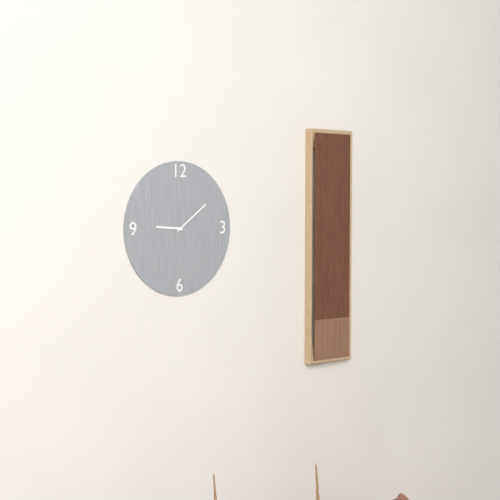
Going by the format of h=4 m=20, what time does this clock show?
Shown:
h=9 m=9
